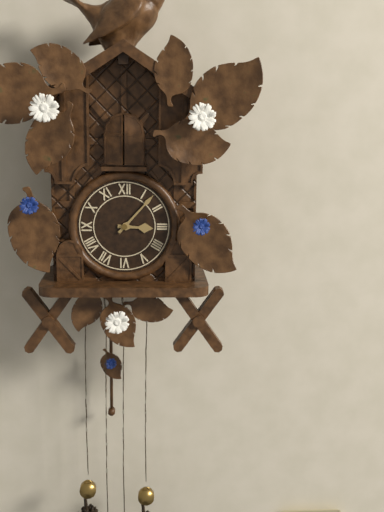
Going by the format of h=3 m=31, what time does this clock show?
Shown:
h=3 m=7
